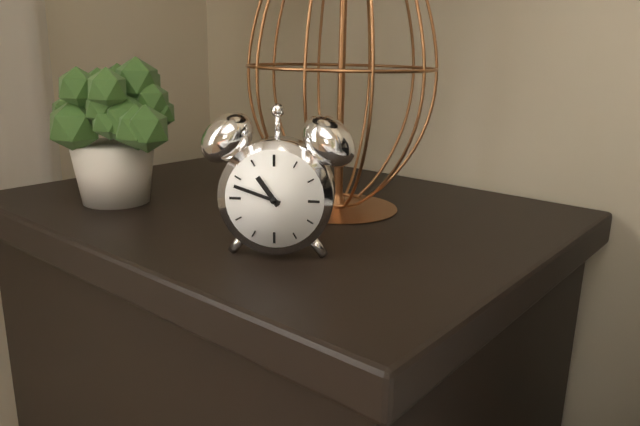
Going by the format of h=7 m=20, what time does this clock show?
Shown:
h=10 m=48
